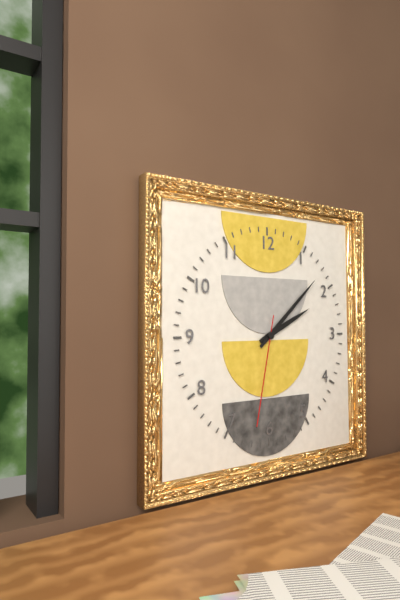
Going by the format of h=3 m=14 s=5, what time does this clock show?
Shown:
h=2 m=8 s=32
